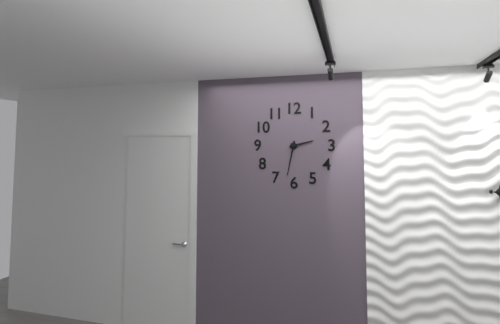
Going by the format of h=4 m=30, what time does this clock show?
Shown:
h=2 m=32
